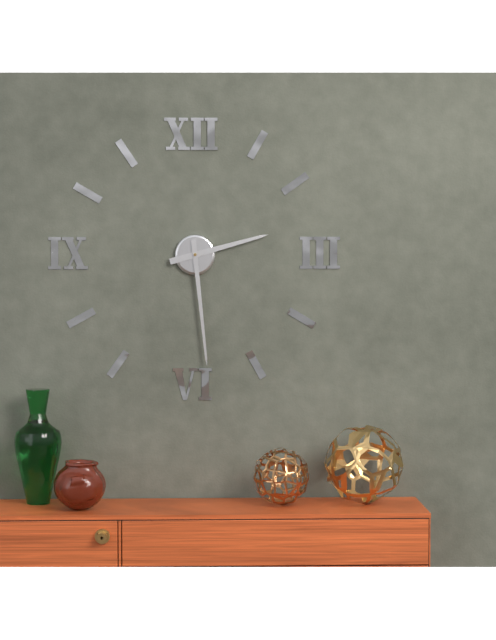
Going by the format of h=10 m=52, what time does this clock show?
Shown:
h=2 m=29
